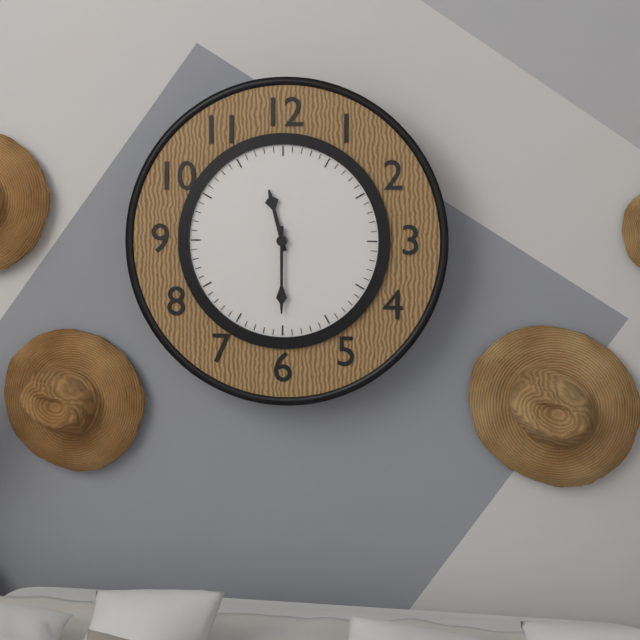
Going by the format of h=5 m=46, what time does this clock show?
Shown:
h=11 m=30
